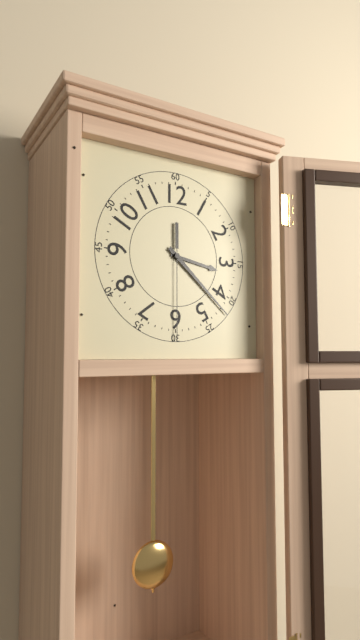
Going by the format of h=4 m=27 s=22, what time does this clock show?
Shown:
h=3 m=22 s=30
